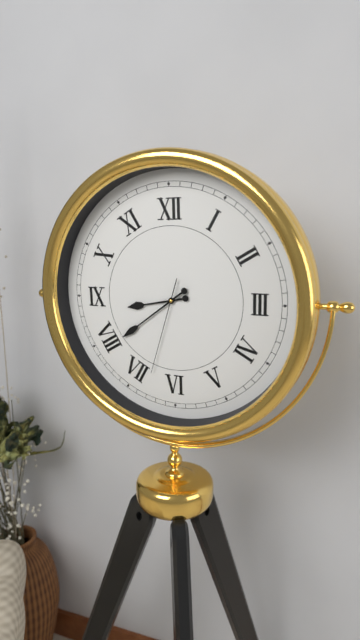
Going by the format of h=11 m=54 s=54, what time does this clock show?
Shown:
h=8 m=39 s=33
